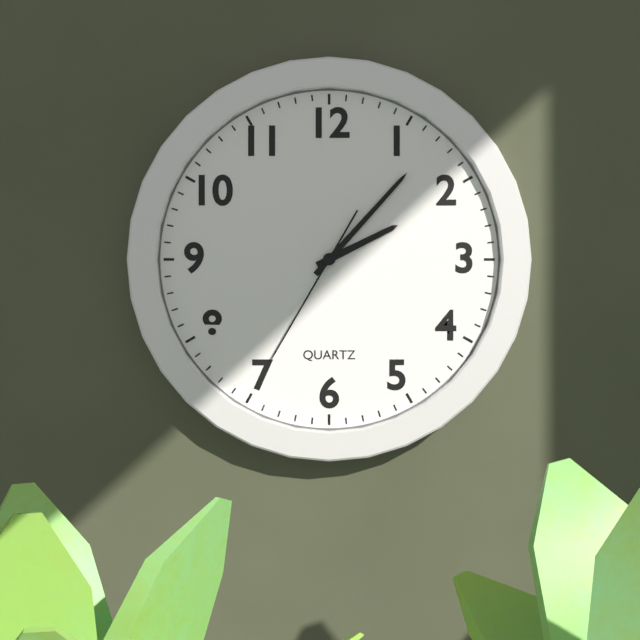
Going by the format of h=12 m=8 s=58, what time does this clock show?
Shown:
h=2 m=7 s=35
